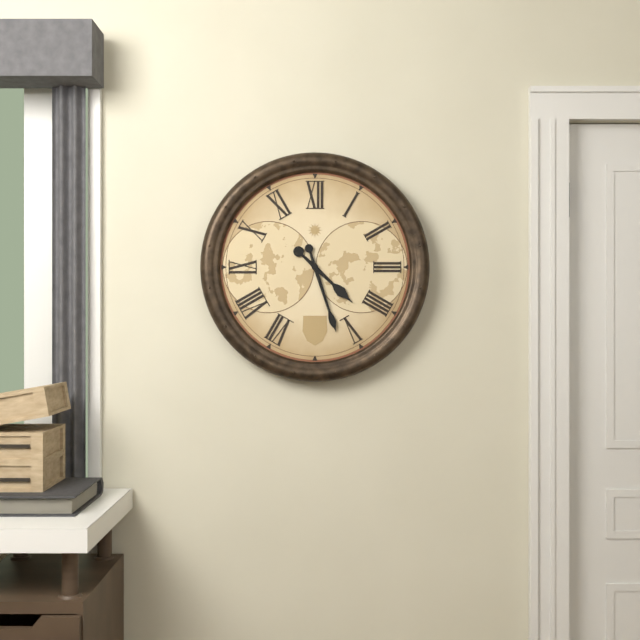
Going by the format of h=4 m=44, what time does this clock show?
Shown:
h=4 m=27
